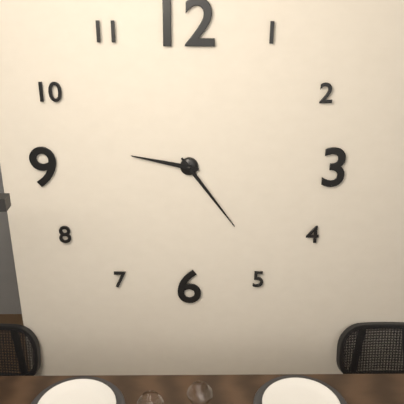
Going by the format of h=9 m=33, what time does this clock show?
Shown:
h=9 m=24
